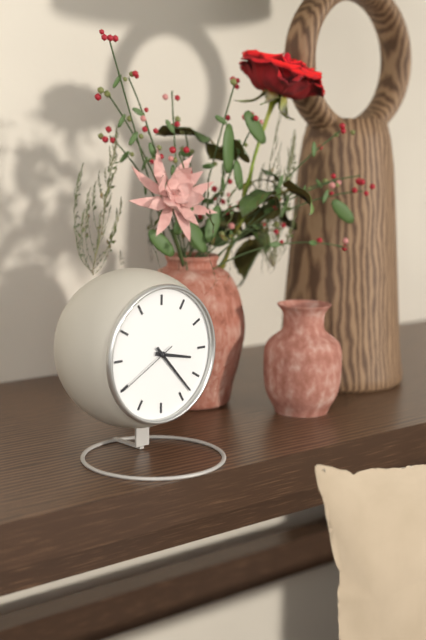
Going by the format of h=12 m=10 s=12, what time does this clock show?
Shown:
h=3 m=23 s=40
